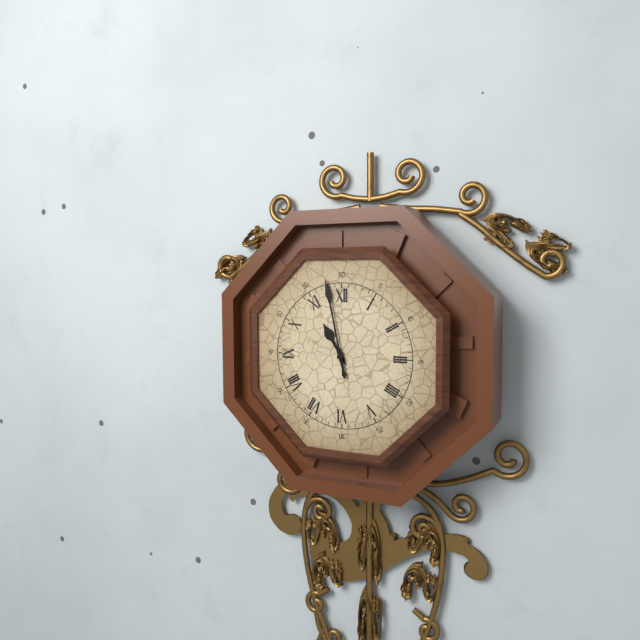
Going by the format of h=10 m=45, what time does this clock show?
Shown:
h=10 m=58
